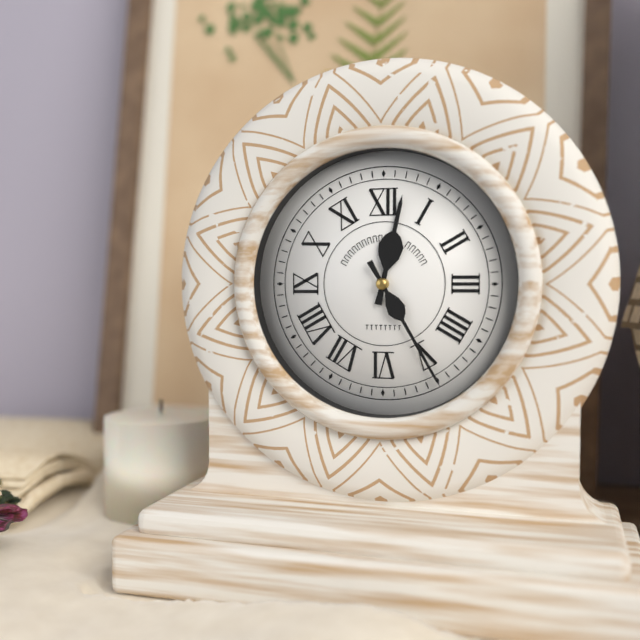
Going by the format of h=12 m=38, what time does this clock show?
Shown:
h=12 m=25
